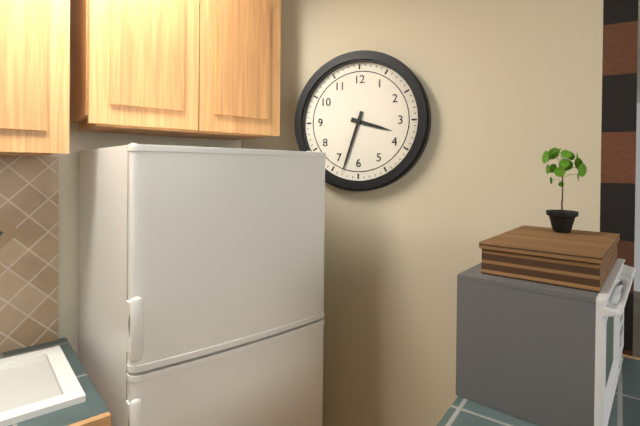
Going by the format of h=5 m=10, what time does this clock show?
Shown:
h=3 m=33
